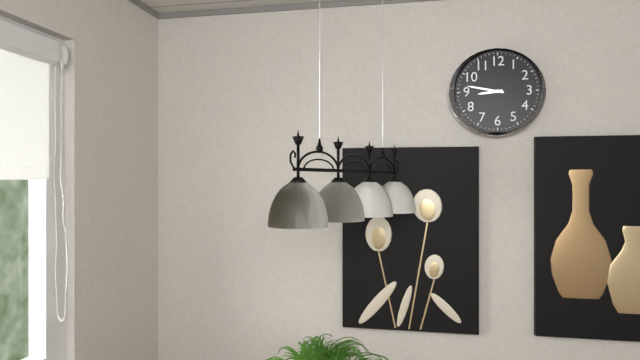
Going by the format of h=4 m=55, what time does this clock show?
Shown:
h=8 m=47
